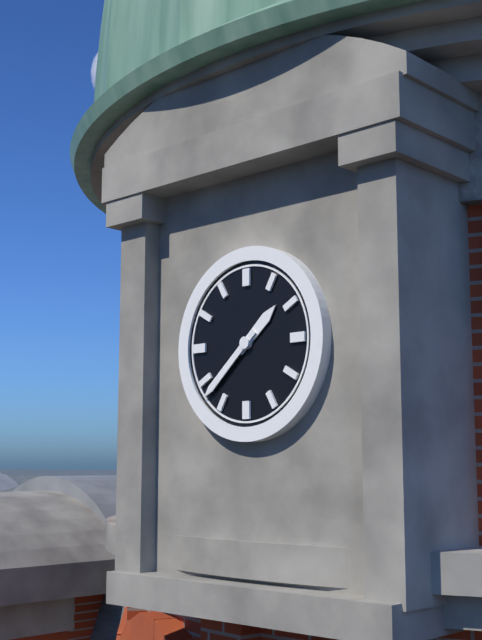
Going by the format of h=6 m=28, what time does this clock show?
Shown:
h=1 m=38
